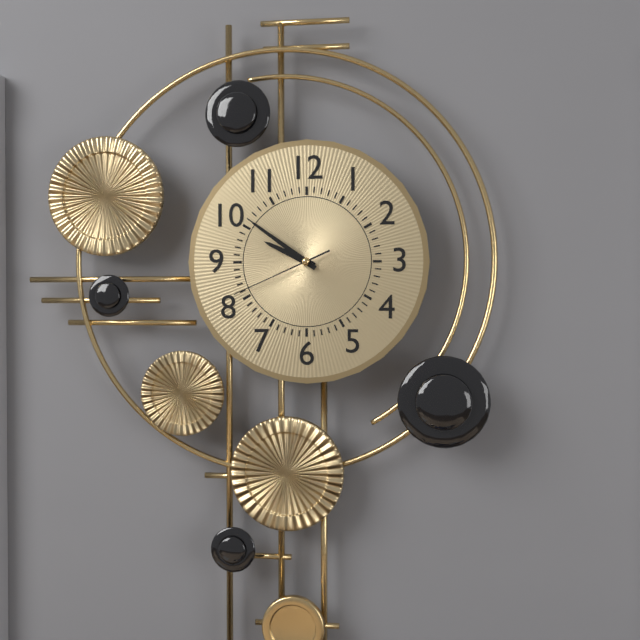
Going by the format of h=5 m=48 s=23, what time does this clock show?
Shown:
h=9 m=51 s=41
